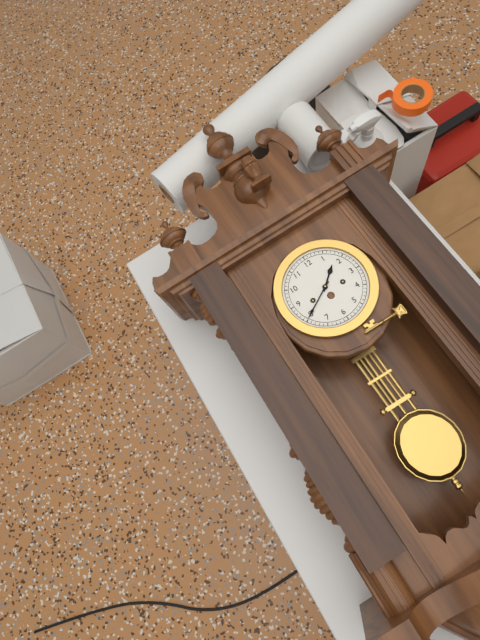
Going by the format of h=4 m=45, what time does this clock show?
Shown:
h=1 m=40
